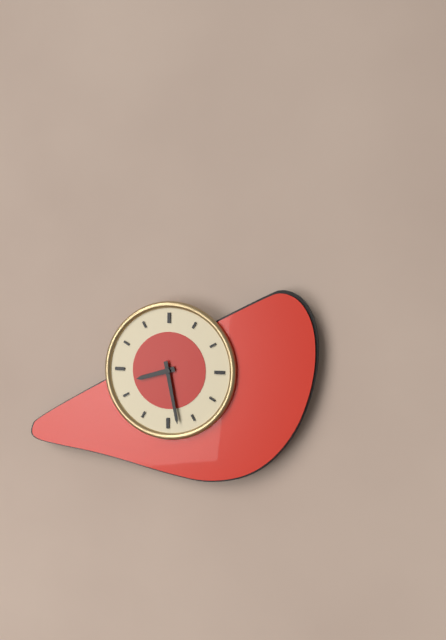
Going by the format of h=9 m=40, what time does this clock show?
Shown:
h=8 m=28
